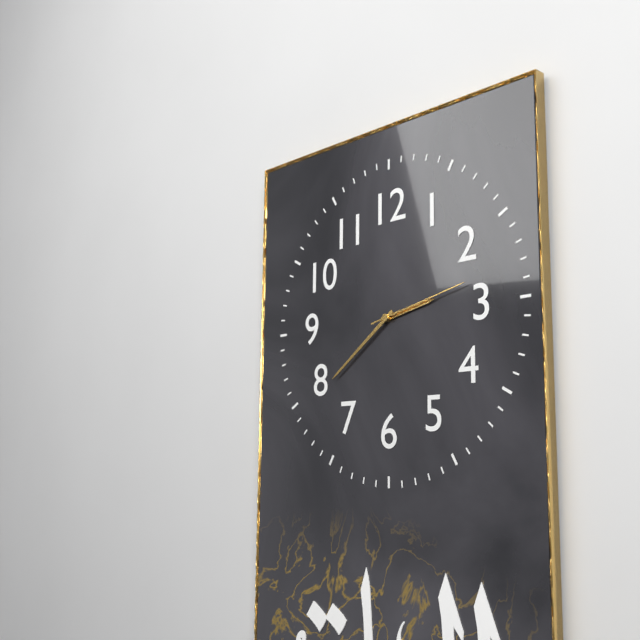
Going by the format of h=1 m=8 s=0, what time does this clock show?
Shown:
h=2 m=39 s=13
